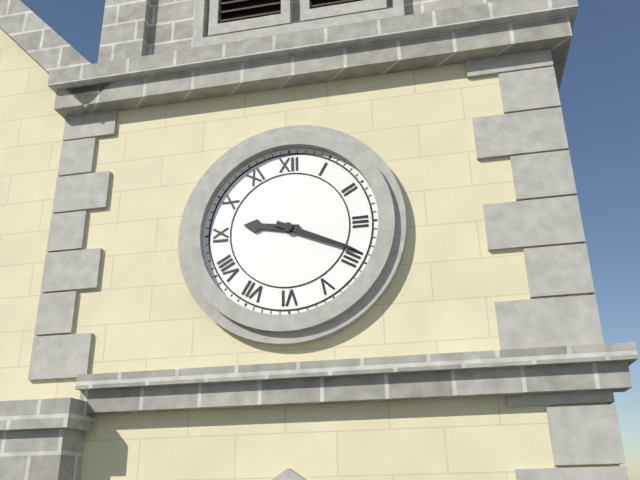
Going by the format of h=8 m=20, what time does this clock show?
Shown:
h=9 m=19
